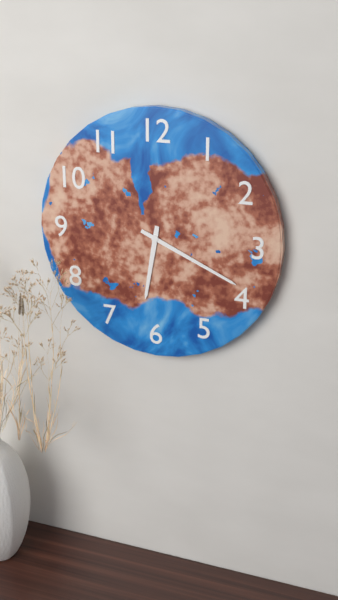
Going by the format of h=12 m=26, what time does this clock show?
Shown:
h=6 m=19
